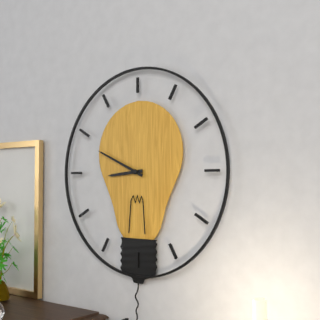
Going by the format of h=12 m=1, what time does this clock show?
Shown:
h=8 m=49
